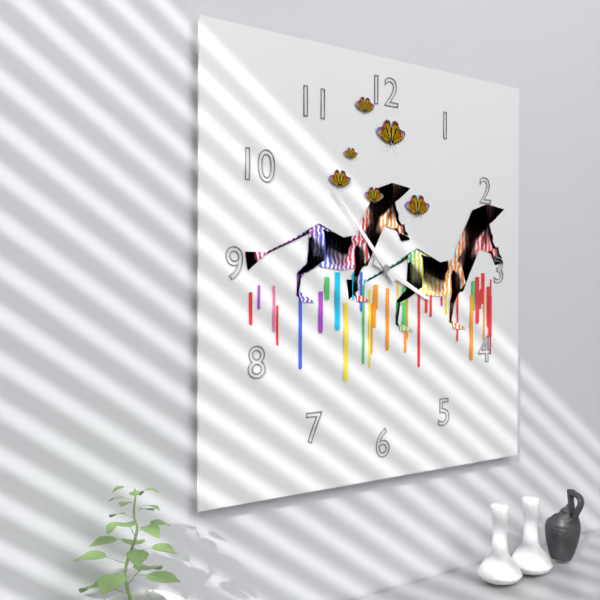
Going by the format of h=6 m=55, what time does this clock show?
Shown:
h=3 m=53
